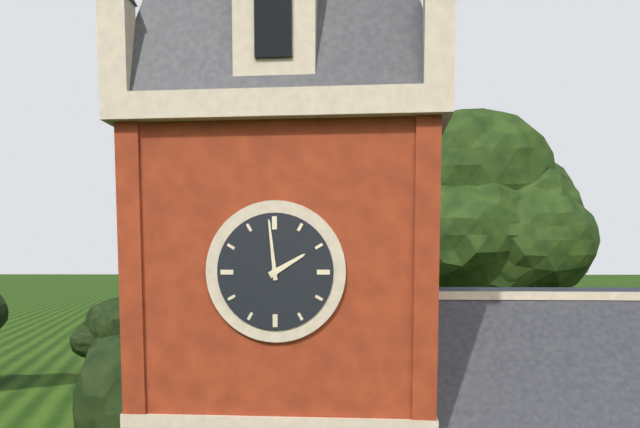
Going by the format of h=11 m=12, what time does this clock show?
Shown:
h=1 m=59
